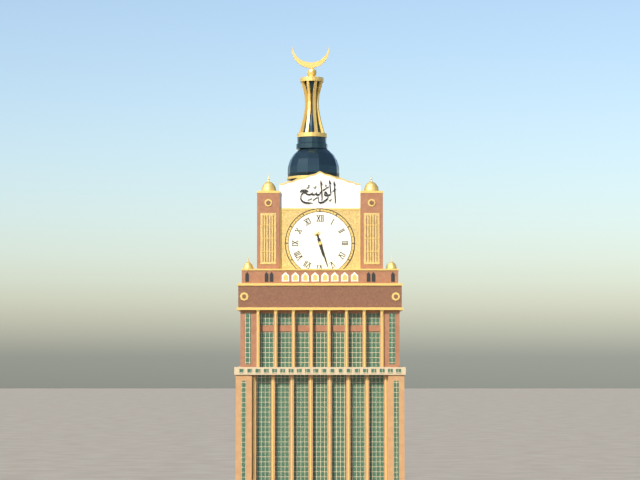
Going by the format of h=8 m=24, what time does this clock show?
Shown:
h=5 m=27
